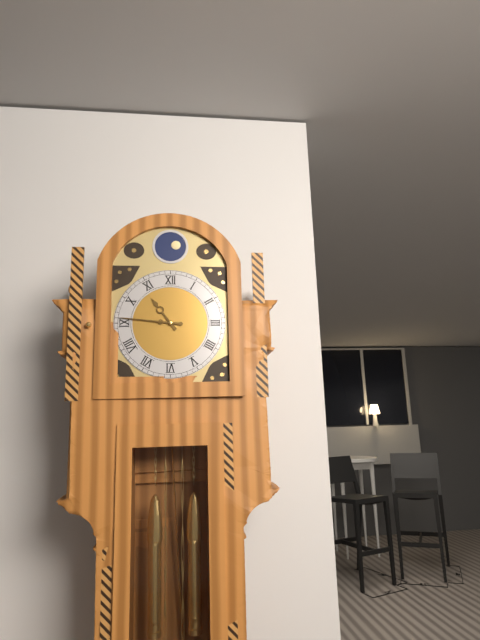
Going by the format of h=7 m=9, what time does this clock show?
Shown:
h=10 m=46
